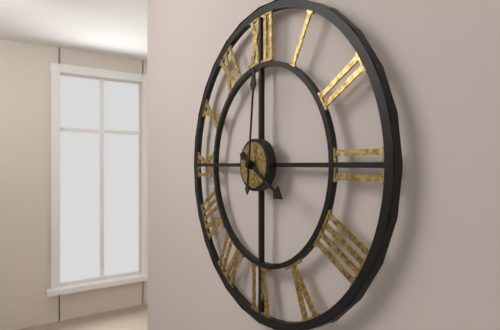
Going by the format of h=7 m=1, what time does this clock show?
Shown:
h=4 m=1
